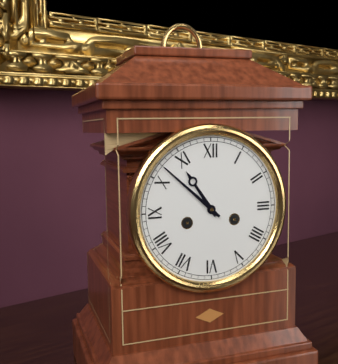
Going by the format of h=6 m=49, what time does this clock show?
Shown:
h=10 m=52
